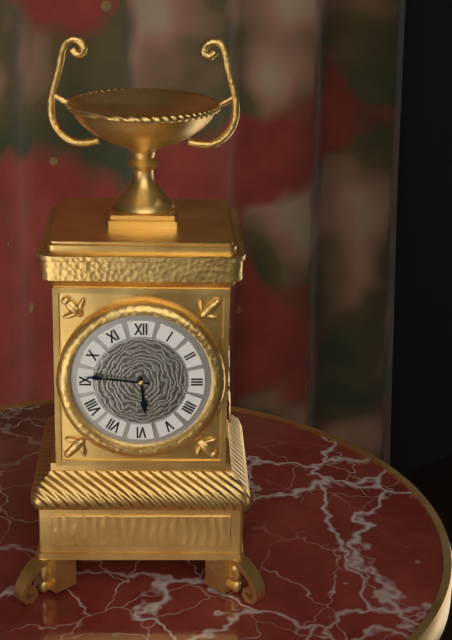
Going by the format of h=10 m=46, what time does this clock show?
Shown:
h=5 m=46
